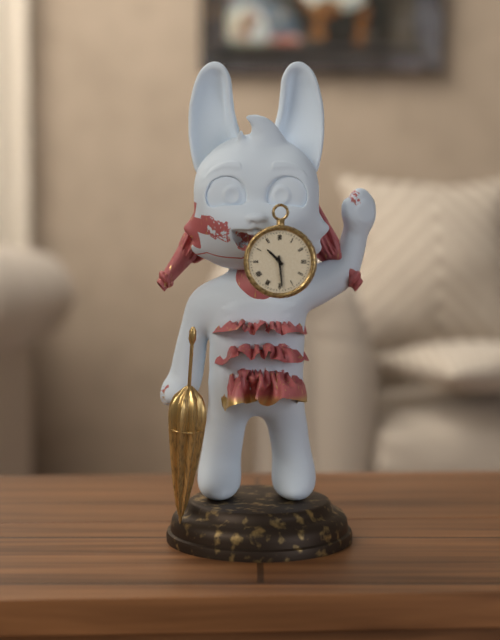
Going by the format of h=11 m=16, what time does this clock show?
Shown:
h=10 m=29
